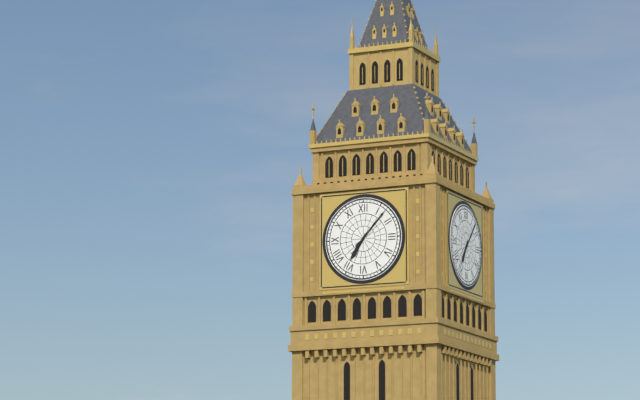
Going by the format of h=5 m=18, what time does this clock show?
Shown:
h=7 m=7
